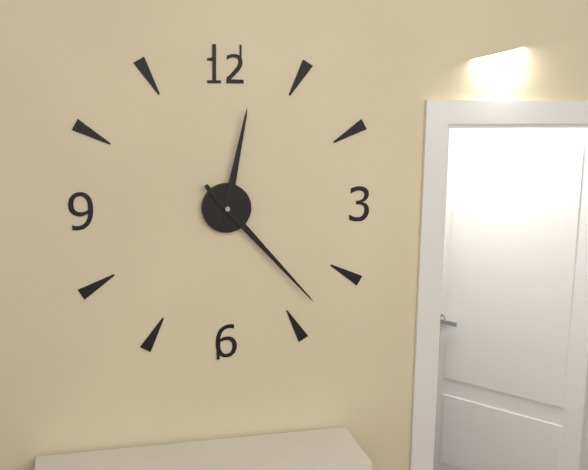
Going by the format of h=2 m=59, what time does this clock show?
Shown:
h=12 m=23
